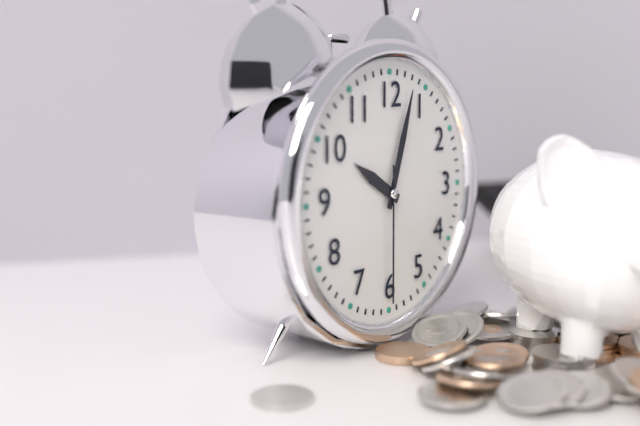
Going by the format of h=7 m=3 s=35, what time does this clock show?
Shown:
h=10 m=3 s=30
